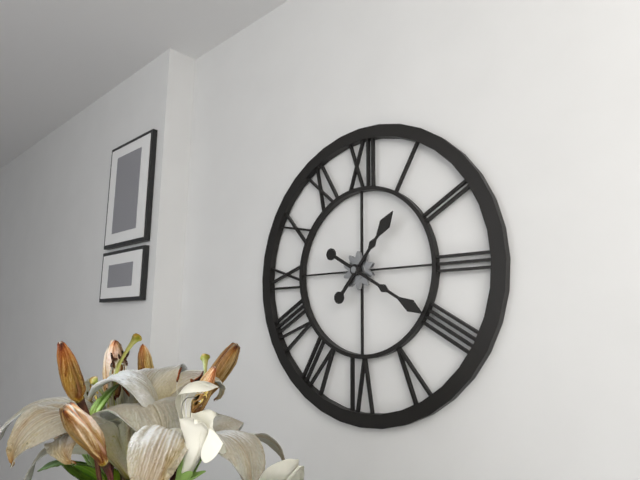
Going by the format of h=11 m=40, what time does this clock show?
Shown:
h=1 m=20
